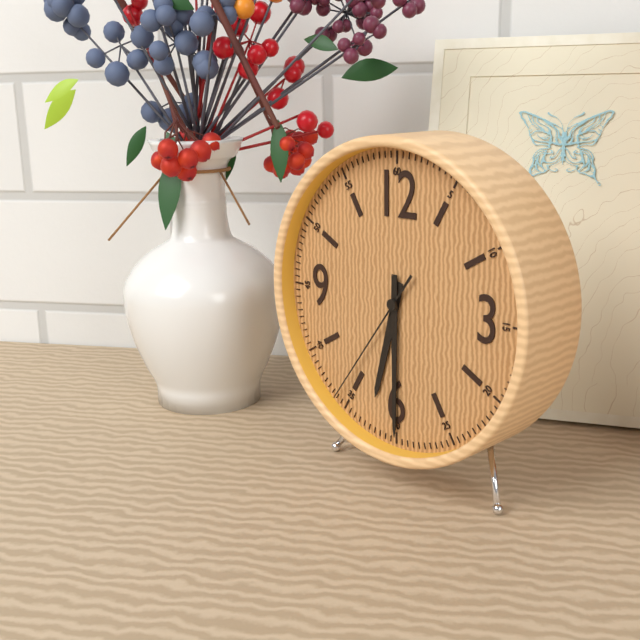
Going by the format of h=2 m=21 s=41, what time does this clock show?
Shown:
h=6 m=30 s=36
